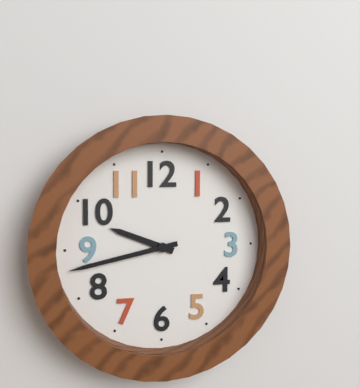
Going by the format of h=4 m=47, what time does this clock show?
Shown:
h=9 m=43
